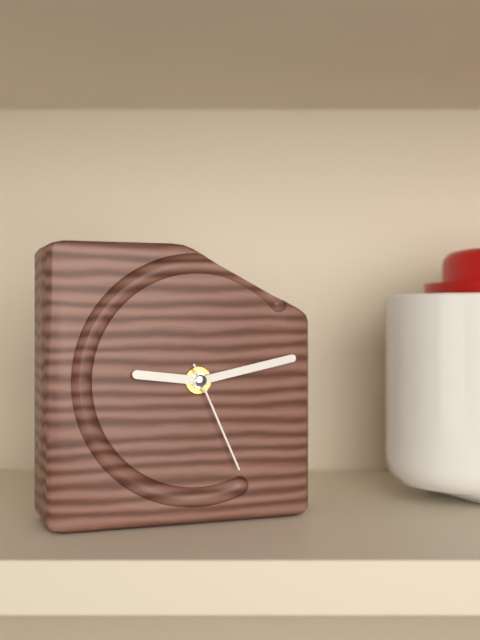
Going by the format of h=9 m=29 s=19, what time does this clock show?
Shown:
h=9 m=13 s=26
